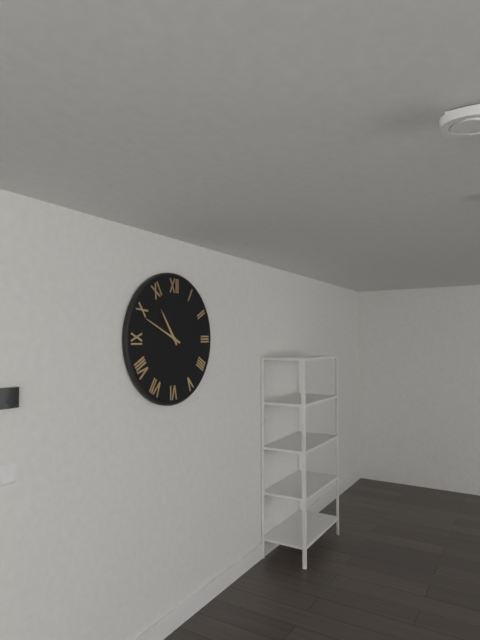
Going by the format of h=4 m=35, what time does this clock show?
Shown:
h=10 m=49
